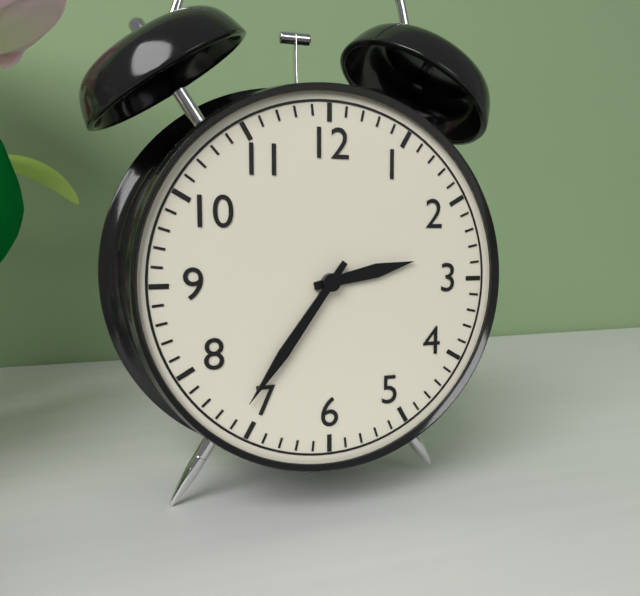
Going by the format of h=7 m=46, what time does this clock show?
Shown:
h=2 m=36
